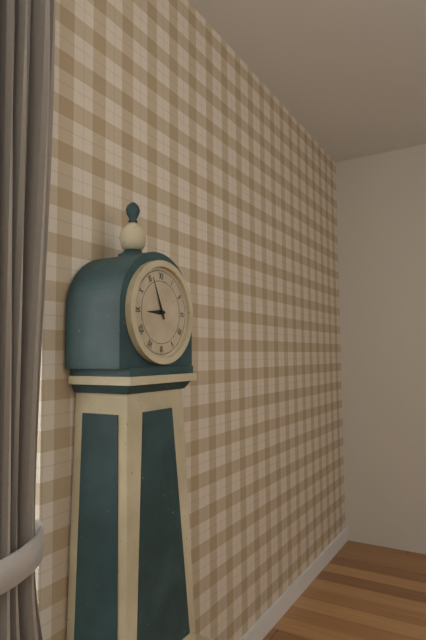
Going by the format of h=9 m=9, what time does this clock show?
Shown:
h=8 m=56
